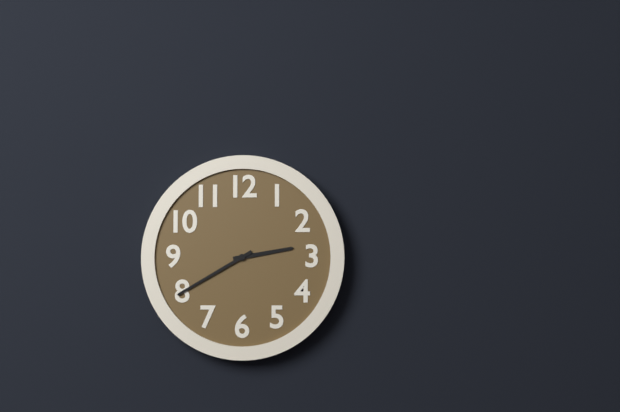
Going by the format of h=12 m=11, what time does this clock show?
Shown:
h=2 m=40
